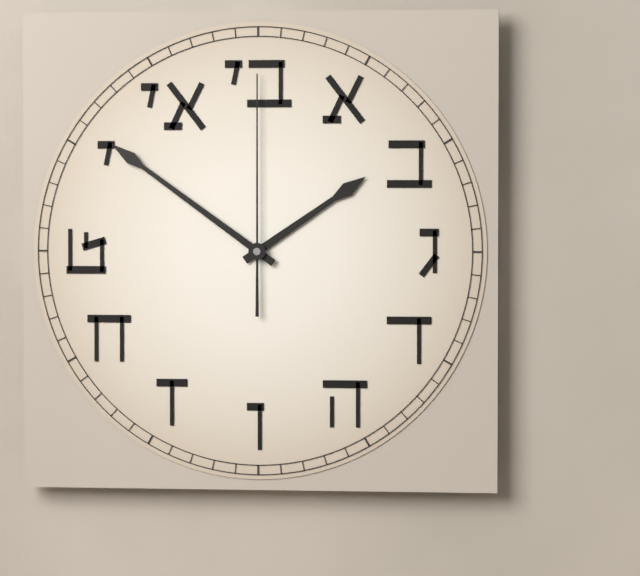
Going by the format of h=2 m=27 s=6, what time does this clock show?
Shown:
h=1 m=51 s=0
